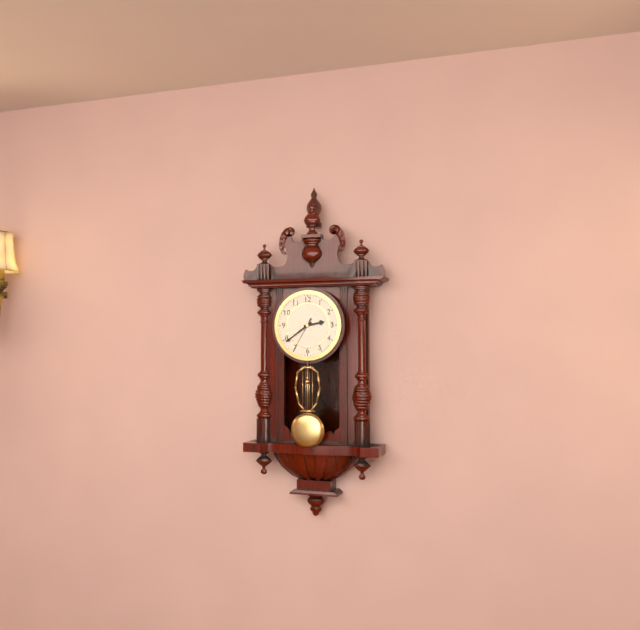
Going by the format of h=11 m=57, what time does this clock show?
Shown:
h=2 m=39
